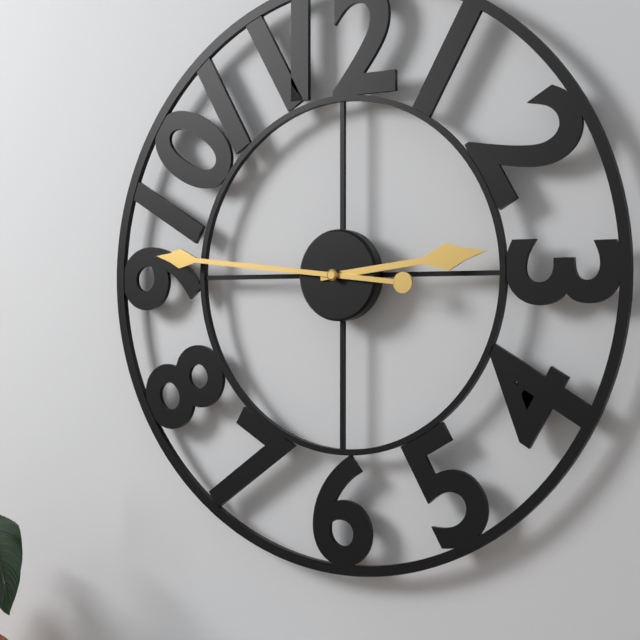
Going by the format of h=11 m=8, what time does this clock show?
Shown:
h=2 m=46
